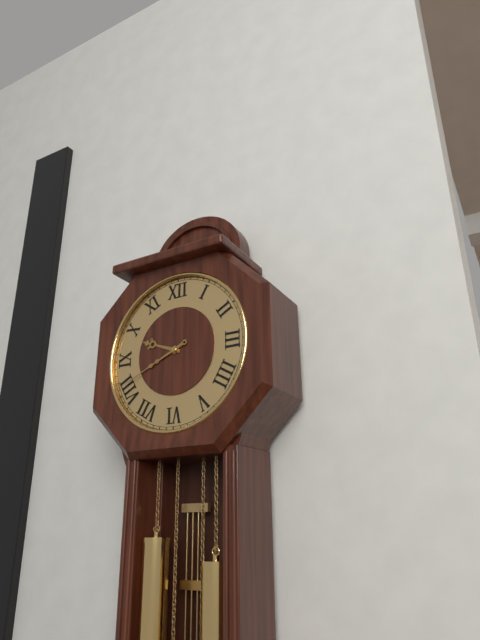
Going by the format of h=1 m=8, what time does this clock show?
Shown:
h=9 m=41
